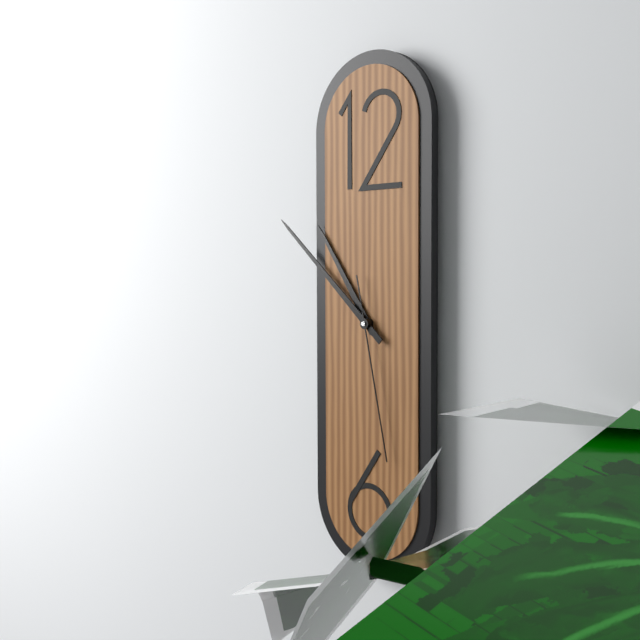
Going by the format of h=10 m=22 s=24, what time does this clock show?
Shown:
h=10 m=52 s=28
